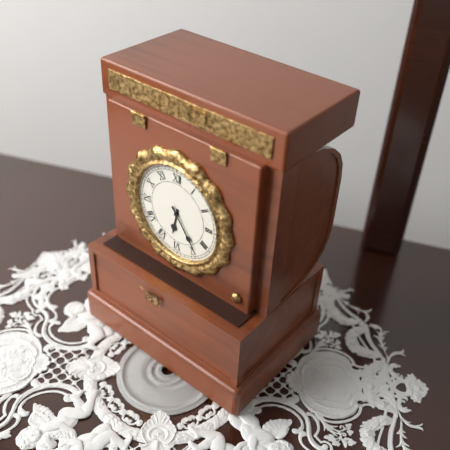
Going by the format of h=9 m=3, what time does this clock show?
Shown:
h=6 m=24
